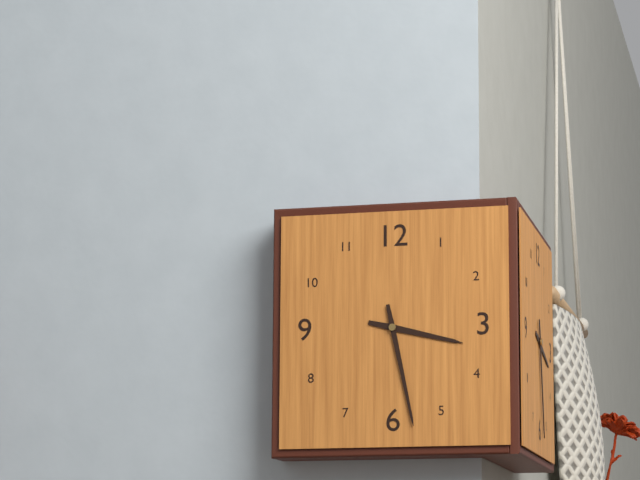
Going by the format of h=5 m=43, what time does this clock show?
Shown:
h=3 m=28
